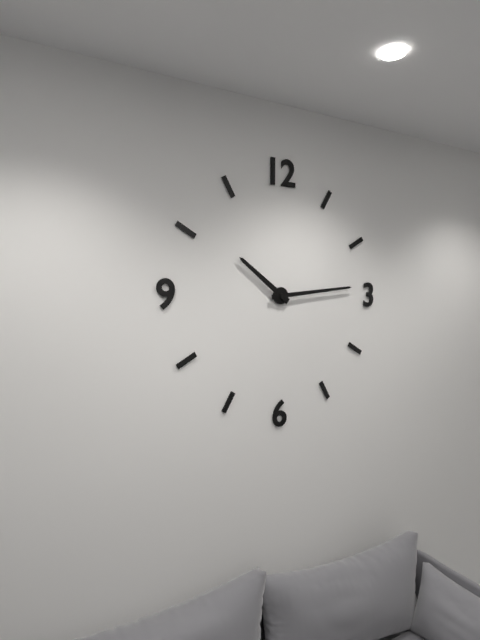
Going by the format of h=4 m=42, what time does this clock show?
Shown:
h=10 m=14
